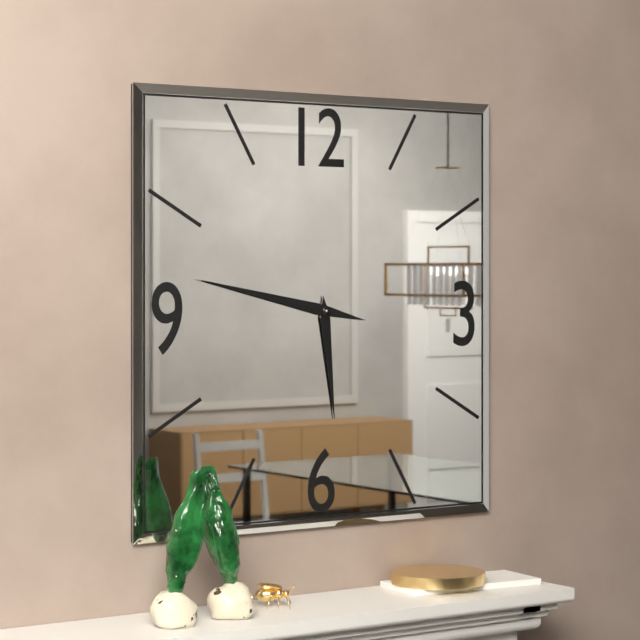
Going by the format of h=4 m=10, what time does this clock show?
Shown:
h=5 m=47
